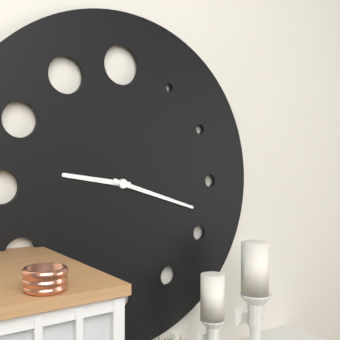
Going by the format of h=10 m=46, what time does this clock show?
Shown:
h=9 m=18
